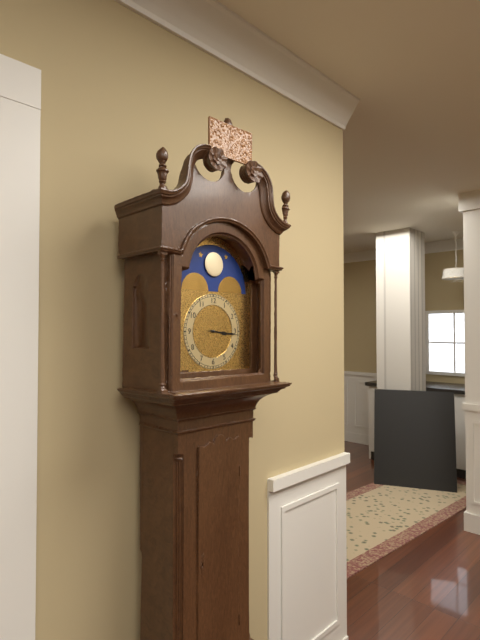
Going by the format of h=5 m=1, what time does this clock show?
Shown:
h=3 m=16
